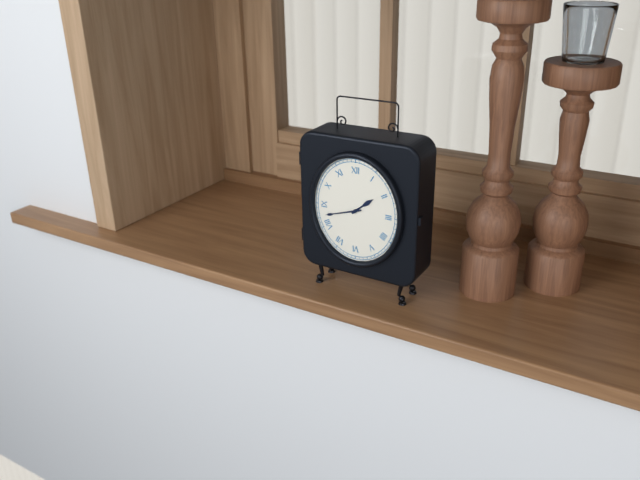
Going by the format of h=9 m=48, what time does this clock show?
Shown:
h=1 m=42
